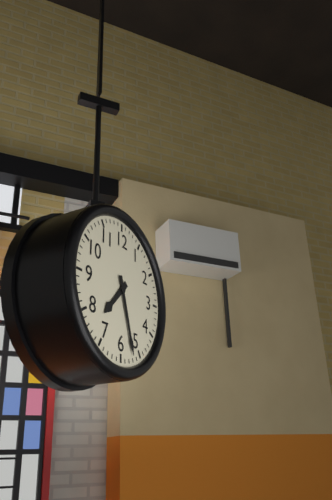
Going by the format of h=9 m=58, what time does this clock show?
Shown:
h=7 m=27
